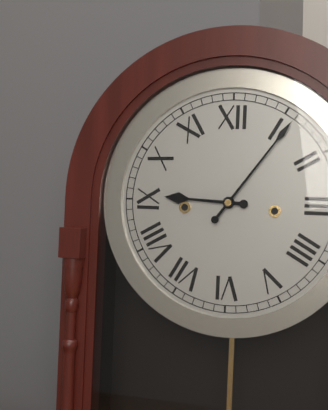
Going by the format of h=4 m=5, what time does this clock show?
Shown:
h=9 m=6
